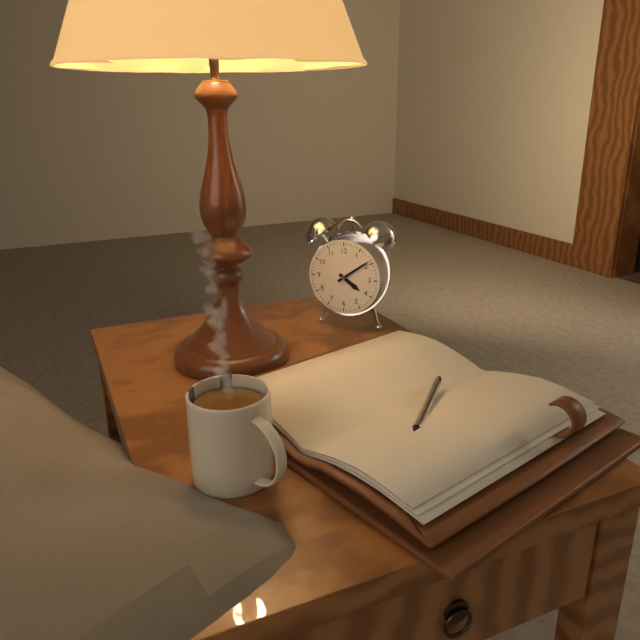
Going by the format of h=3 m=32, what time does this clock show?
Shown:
h=4 m=9
